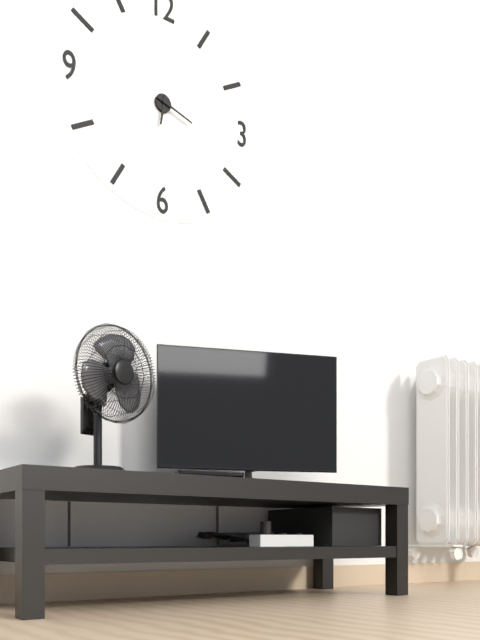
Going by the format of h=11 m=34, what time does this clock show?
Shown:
h=6 m=18
